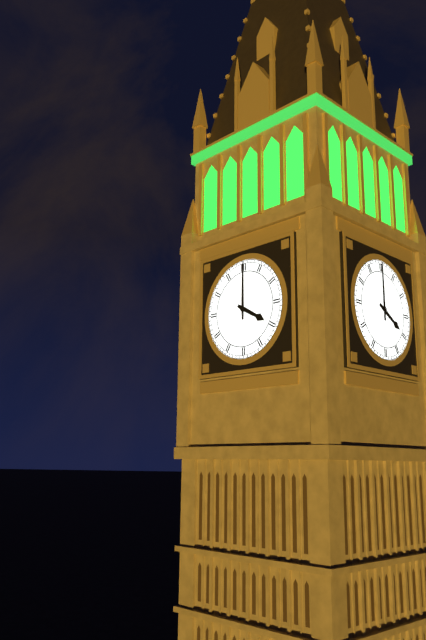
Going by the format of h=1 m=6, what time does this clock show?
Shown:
h=4 m=0
